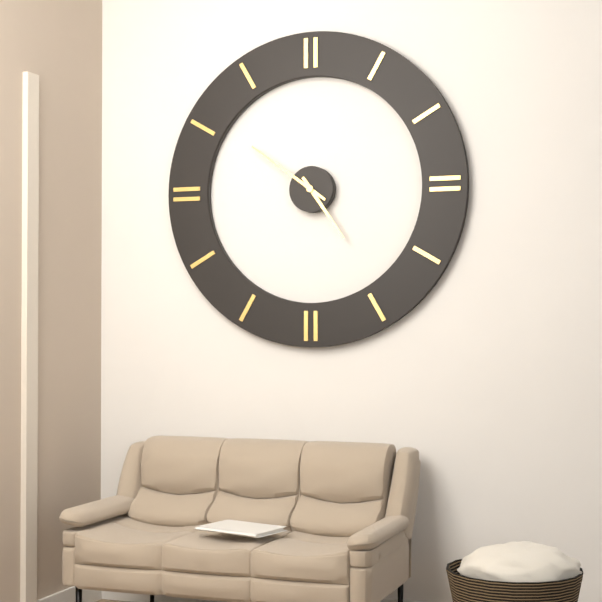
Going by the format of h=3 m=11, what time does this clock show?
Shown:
h=4 m=51
